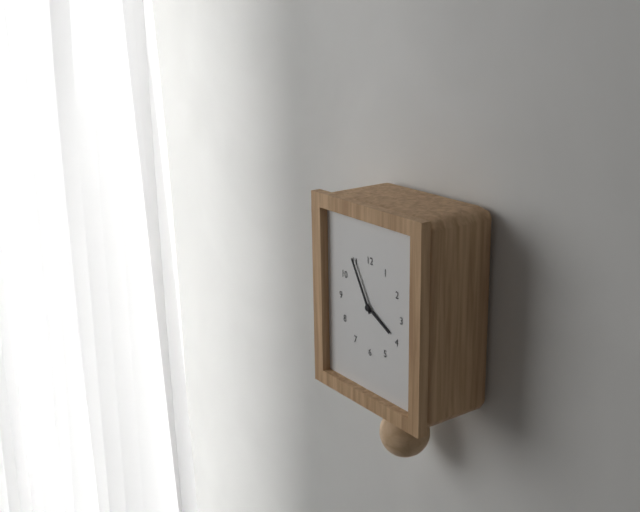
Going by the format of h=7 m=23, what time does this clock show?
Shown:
h=3 m=55
